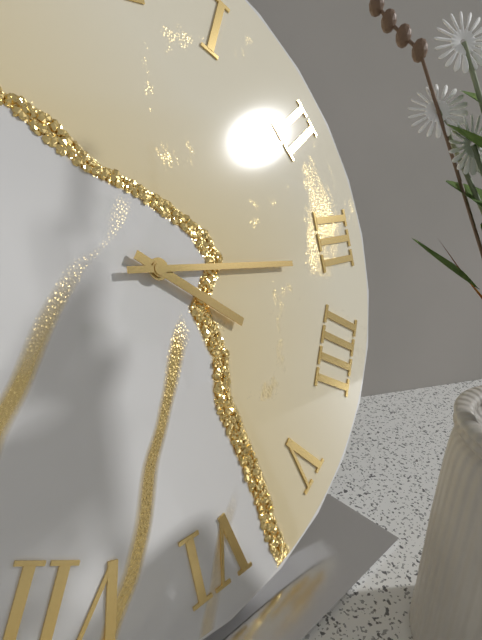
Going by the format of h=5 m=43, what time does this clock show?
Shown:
h=4 m=16
